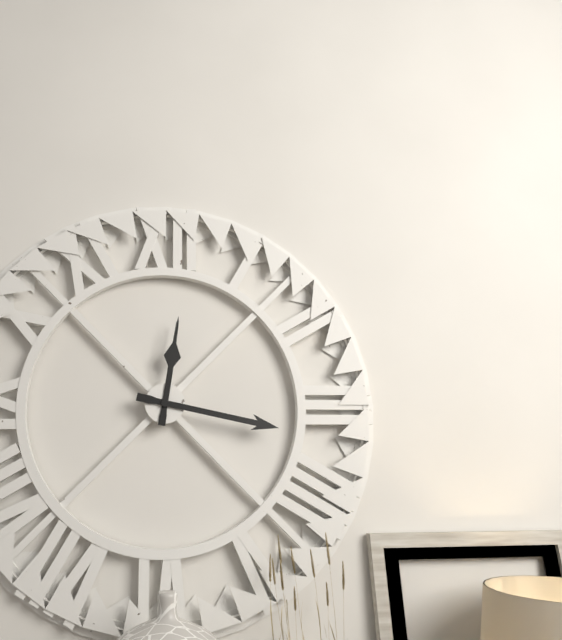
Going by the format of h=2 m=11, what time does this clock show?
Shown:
h=12 m=17
